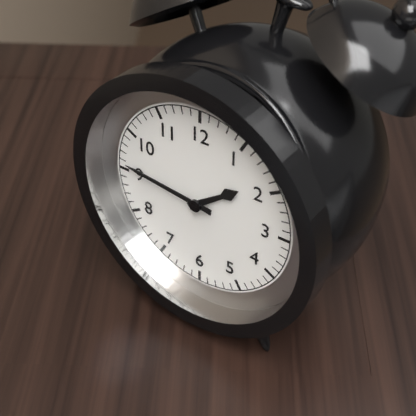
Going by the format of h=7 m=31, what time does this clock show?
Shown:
h=1 m=46
